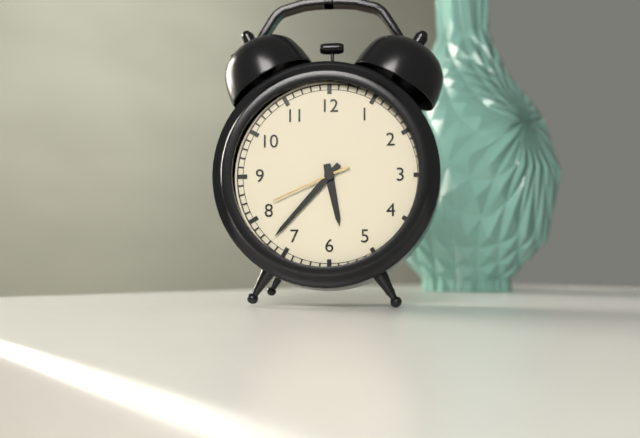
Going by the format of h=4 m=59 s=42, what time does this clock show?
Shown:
h=5 m=37 s=41
